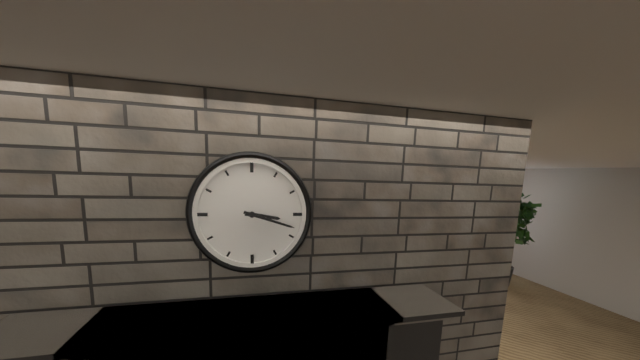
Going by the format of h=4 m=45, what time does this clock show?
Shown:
h=3 m=18
